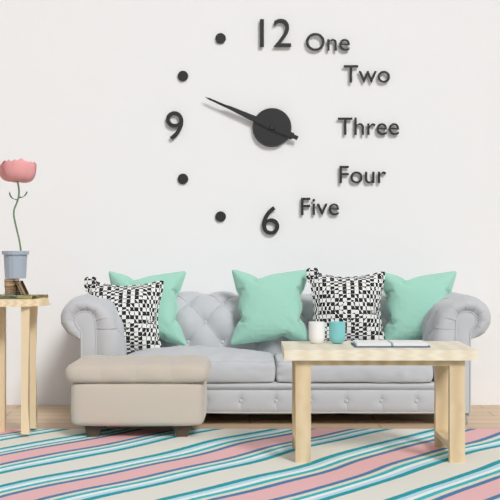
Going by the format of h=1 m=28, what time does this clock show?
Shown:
h=9 m=49
